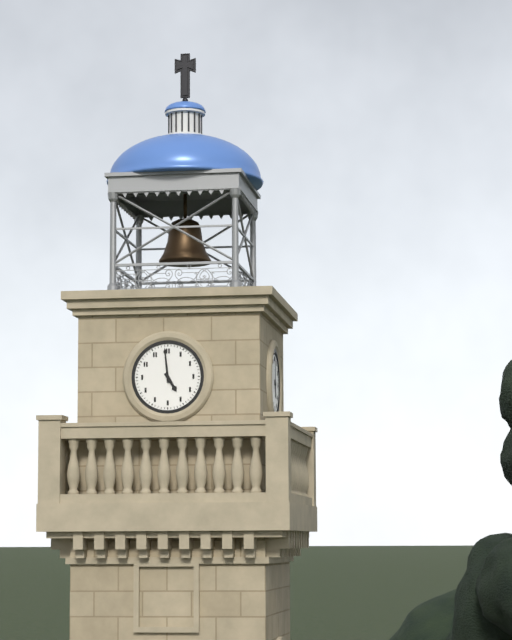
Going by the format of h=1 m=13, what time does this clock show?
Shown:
h=4 m=59
